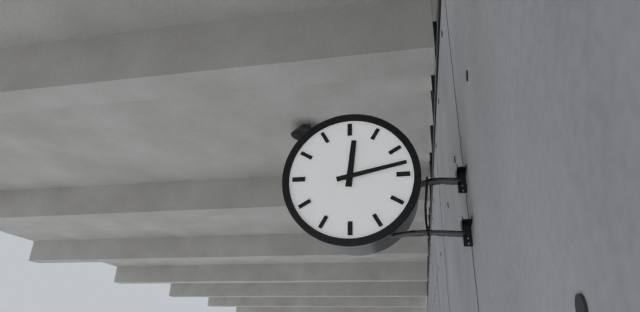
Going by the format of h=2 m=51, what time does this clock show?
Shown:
h=12 m=13
